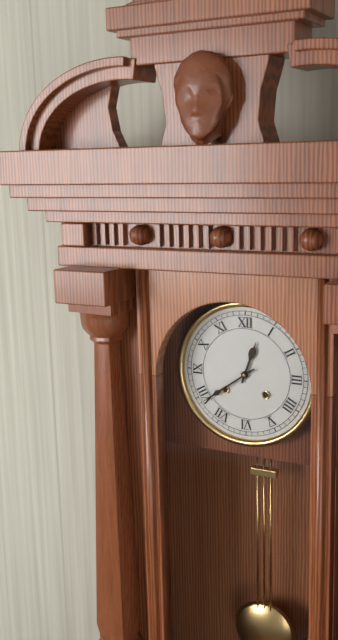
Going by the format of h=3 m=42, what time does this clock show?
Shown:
h=12 m=39
